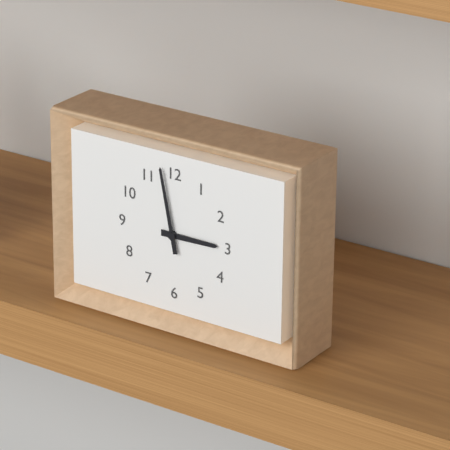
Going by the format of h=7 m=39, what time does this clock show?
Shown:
h=2 m=58
